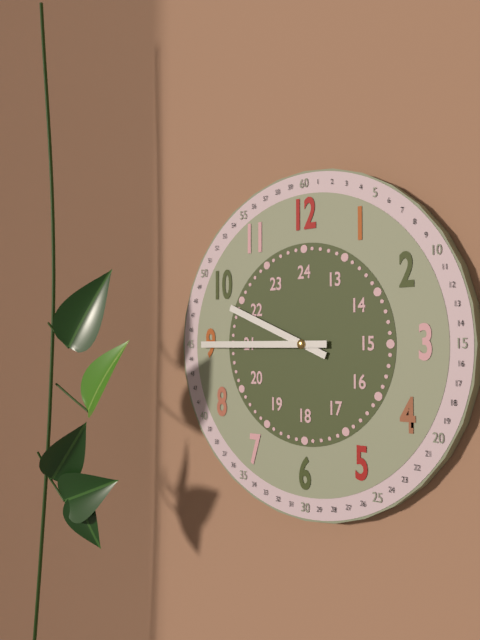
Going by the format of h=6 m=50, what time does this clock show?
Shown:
h=9 m=45
